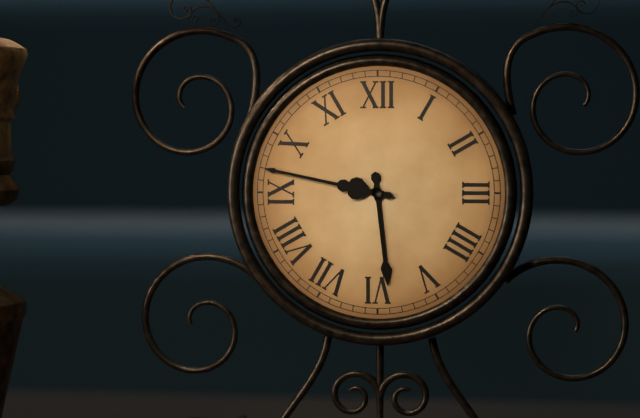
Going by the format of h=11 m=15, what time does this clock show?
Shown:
h=5 m=47
